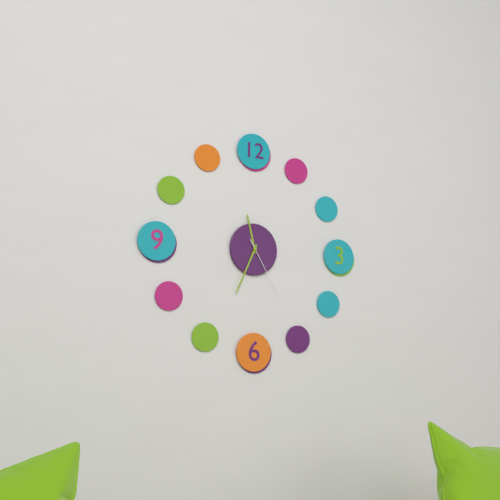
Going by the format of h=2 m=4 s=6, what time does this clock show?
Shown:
h=11 m=34 s=25
